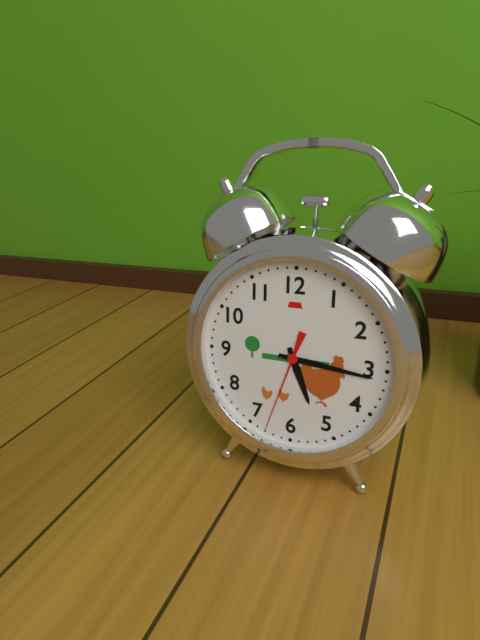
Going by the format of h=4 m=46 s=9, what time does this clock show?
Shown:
h=5 m=16 s=33
